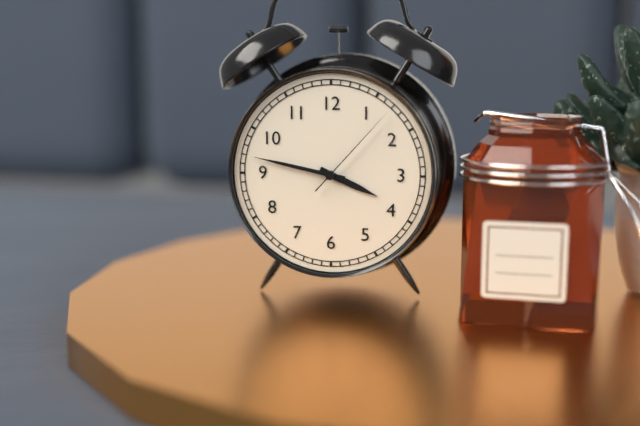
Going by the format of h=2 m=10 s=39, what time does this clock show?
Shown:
h=3 m=47 s=7
